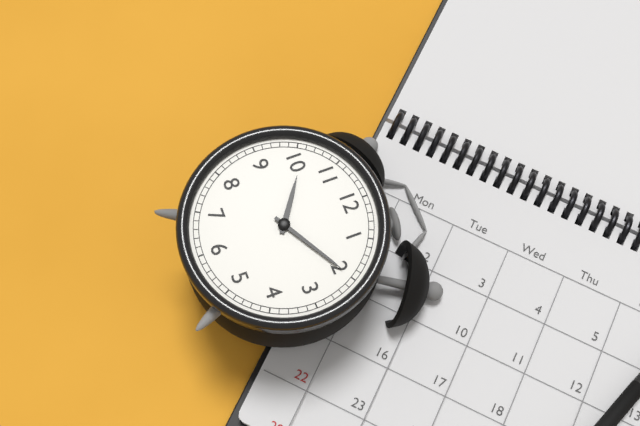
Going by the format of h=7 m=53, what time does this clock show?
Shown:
h=10 m=10
